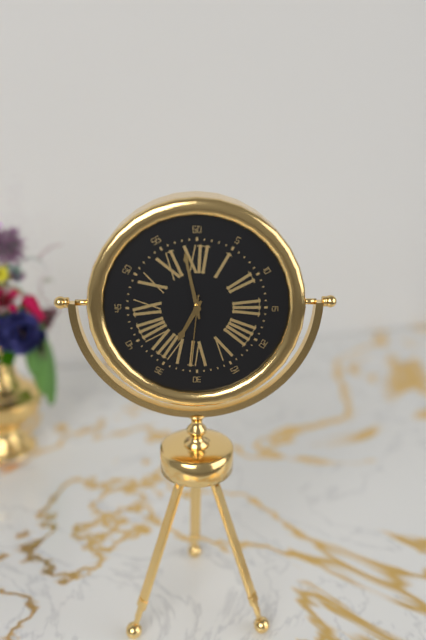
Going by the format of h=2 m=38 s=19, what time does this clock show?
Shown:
h=6 m=58 s=31
